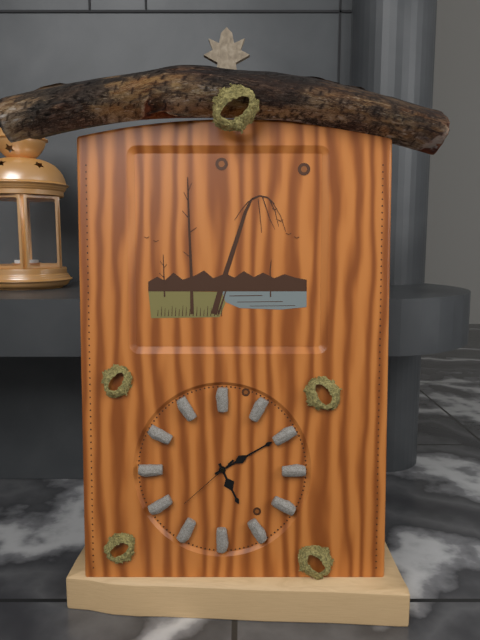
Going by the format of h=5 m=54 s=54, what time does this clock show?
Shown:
h=5 m=10 s=38
